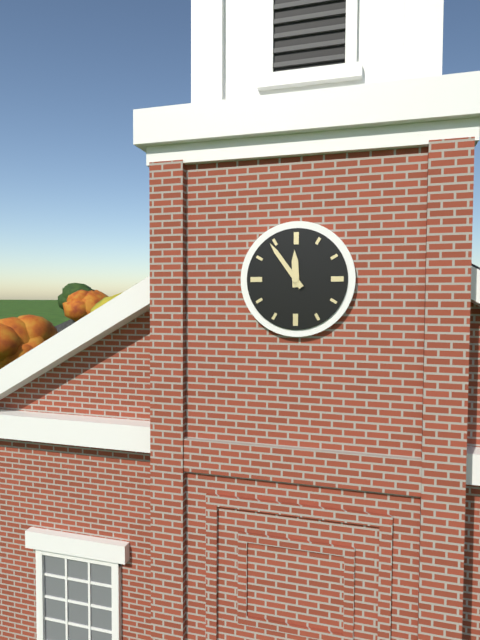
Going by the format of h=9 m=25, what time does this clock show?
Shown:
h=11 m=54
